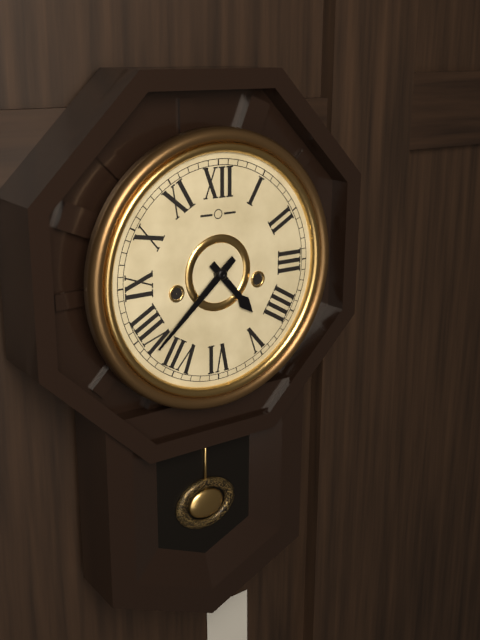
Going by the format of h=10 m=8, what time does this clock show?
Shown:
h=4 m=38
